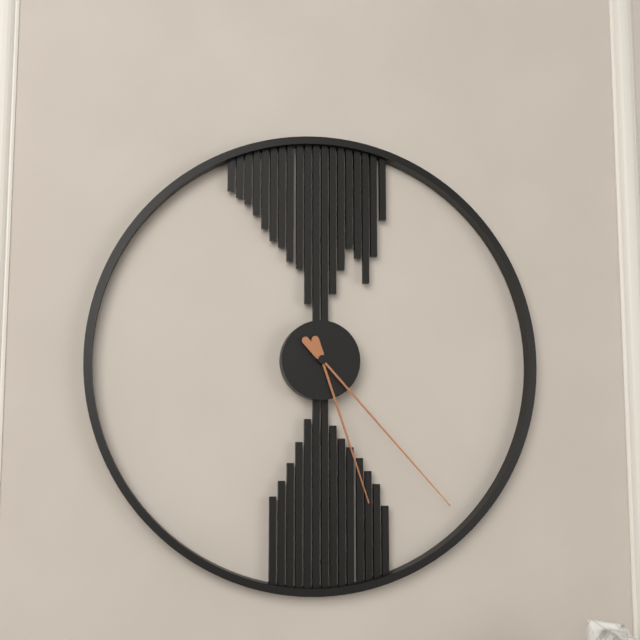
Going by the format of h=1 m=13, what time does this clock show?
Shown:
h=5 m=23
